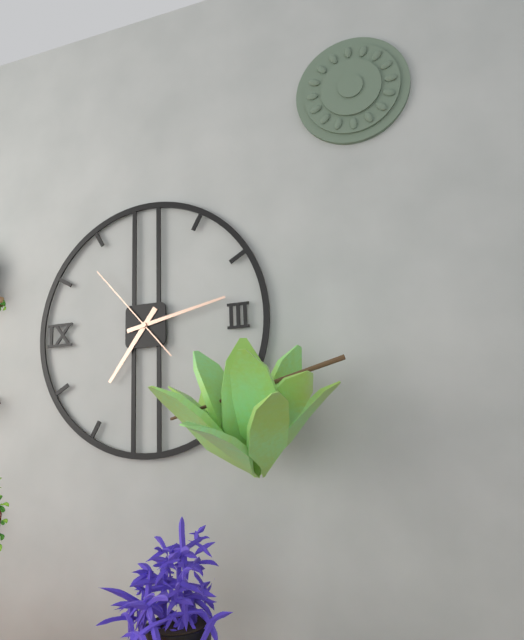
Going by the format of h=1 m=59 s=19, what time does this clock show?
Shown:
h=7 m=13 s=53
